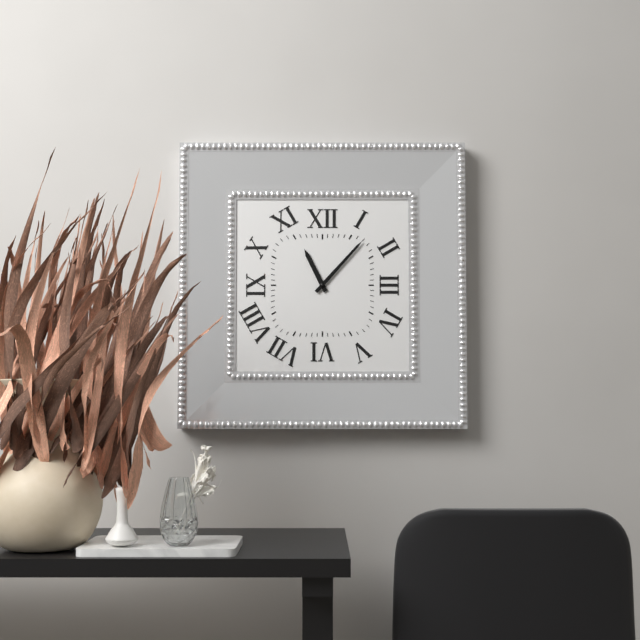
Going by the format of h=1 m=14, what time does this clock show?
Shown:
h=11 m=7
